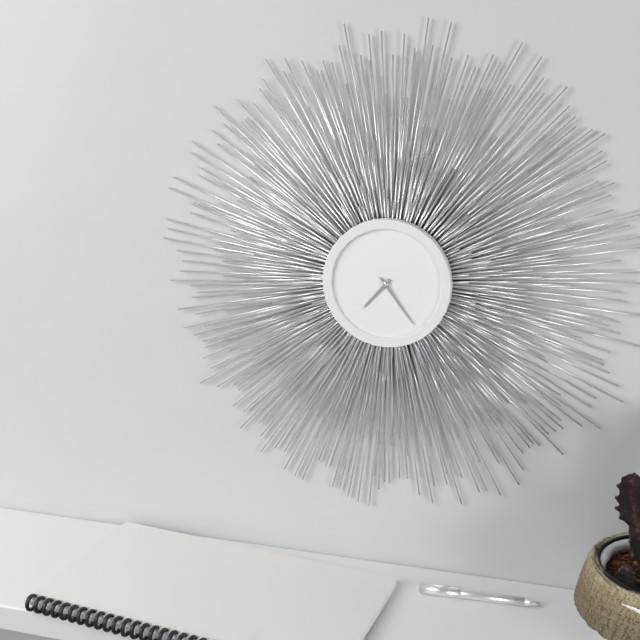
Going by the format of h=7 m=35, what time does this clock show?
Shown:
h=7 m=24
